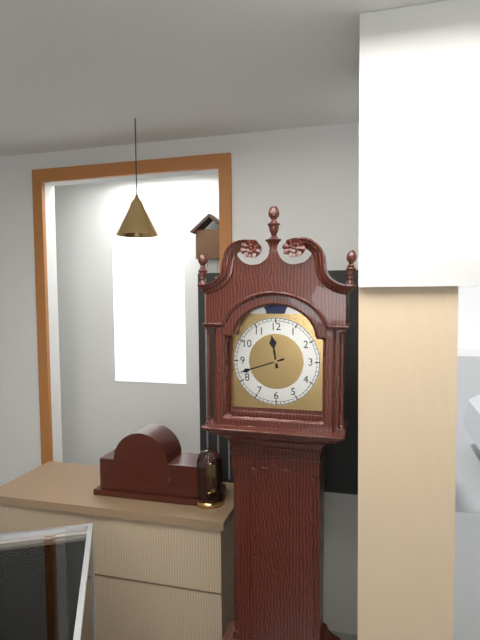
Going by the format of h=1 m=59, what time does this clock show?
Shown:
h=11 m=42
